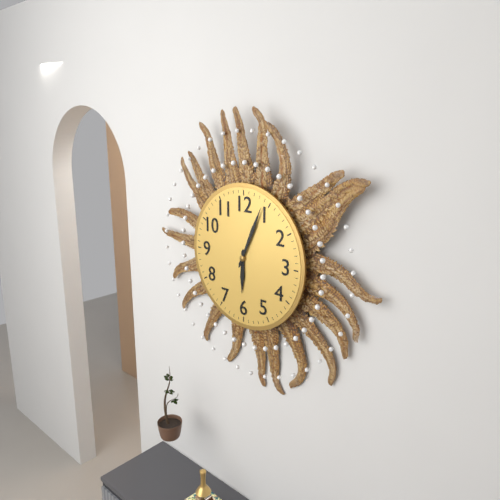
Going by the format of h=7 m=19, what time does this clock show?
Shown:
h=6 m=4
